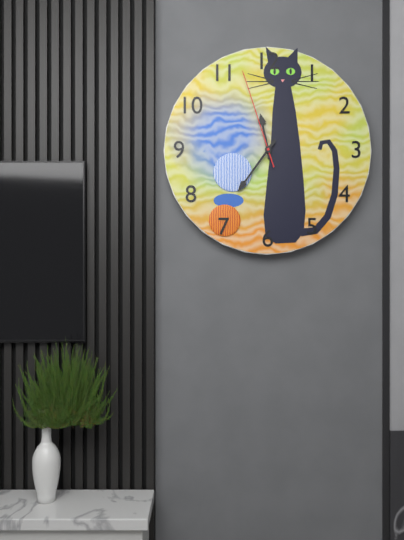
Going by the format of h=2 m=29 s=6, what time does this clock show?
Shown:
h=11 m=36 s=57
